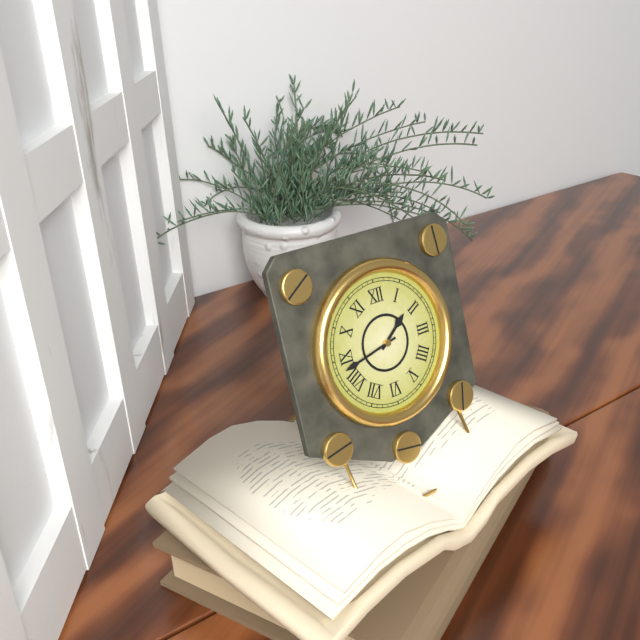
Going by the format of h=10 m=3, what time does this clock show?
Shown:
h=1 m=43
